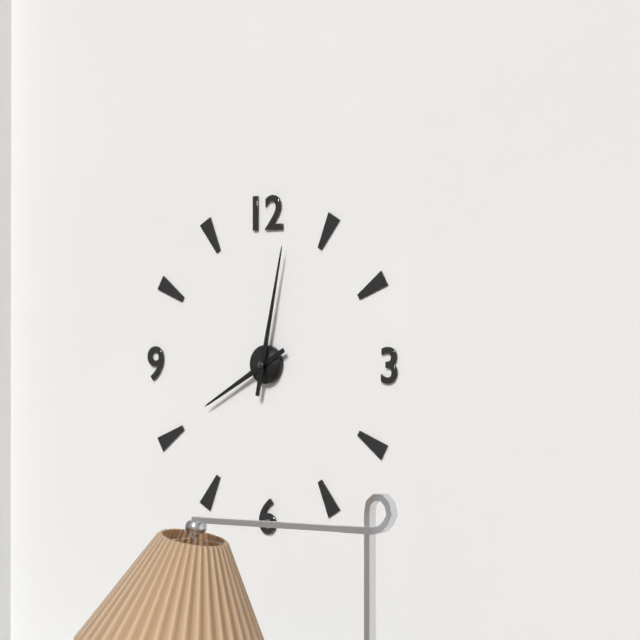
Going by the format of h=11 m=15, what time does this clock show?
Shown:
h=8 m=2
